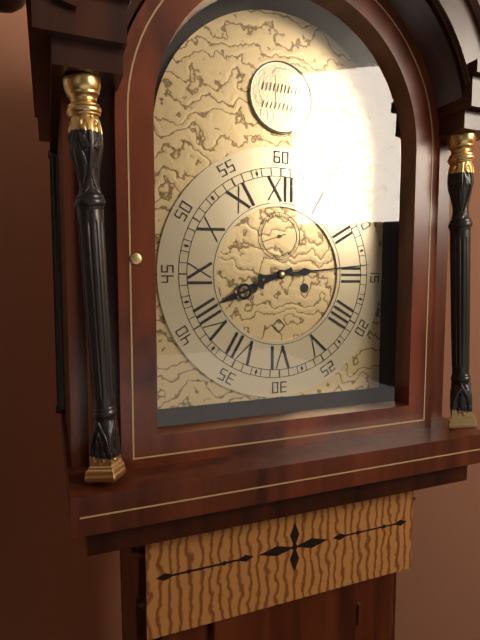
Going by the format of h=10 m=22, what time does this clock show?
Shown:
h=8 m=14
